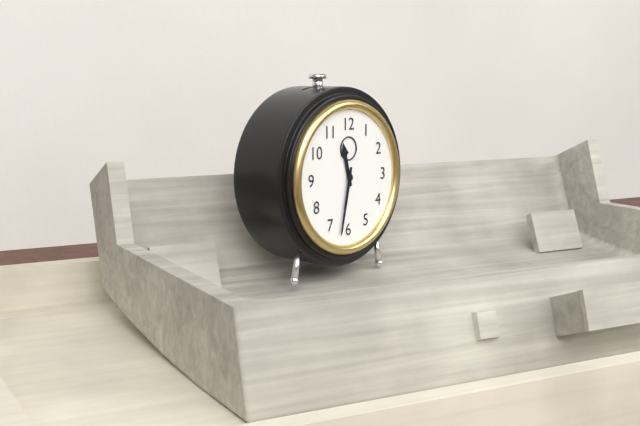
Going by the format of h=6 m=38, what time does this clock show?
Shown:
h=11 m=32
